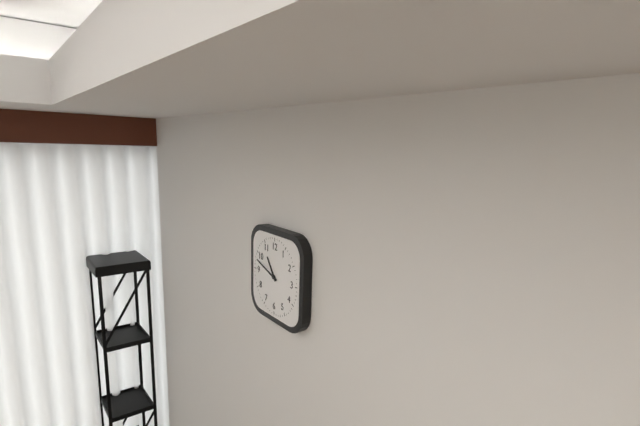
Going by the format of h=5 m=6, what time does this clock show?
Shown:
h=10 m=48
